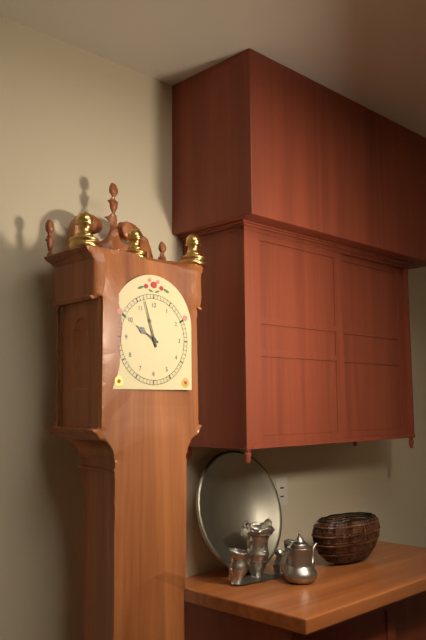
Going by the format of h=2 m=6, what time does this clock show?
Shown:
h=9 m=57
